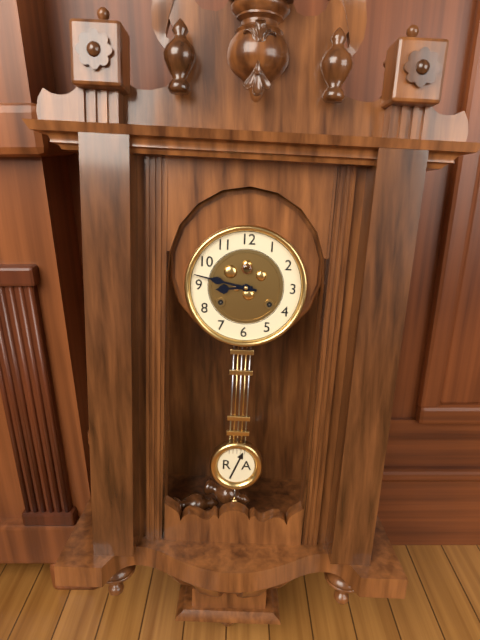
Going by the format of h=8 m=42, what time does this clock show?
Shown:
h=8 m=47
